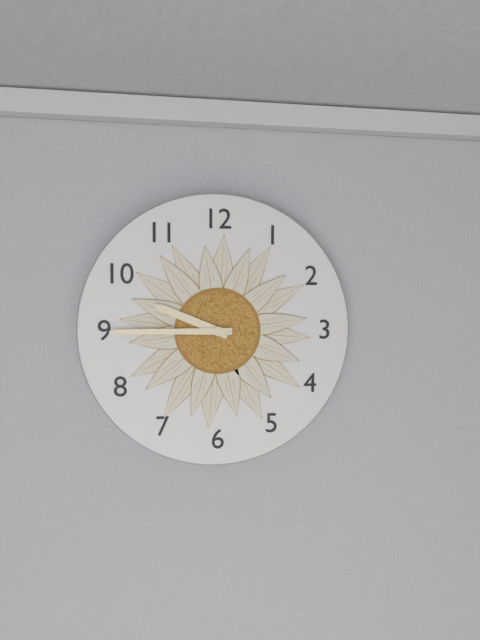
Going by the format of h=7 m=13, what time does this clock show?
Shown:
h=9 m=45
